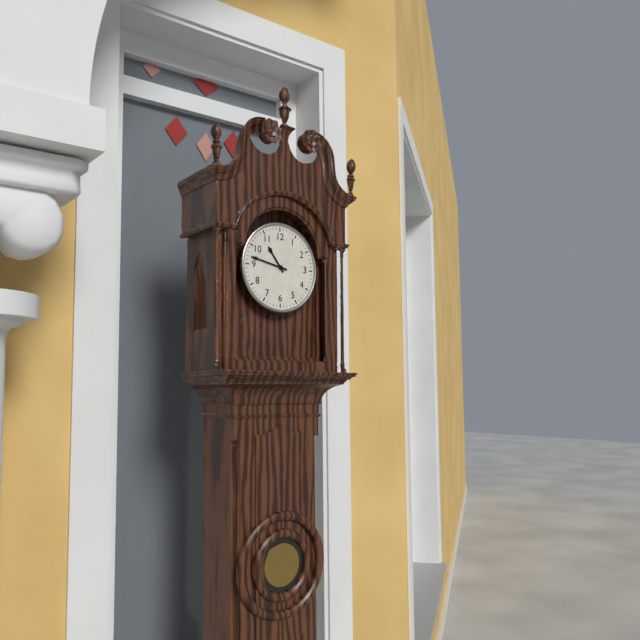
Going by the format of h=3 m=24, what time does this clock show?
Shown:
h=10 m=47
